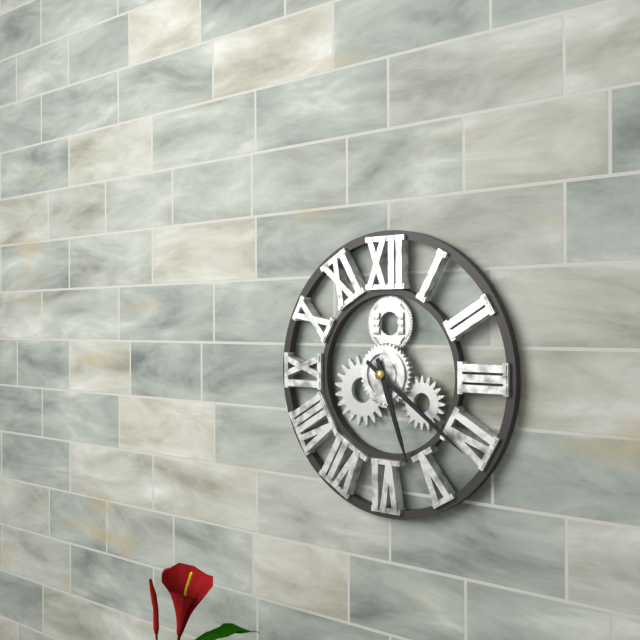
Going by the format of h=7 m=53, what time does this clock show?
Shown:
h=5 m=21
